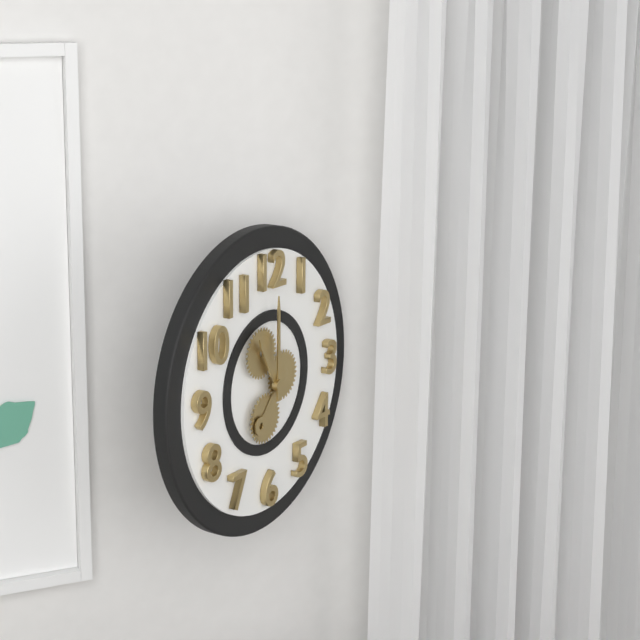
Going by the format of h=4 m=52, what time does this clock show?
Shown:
h=11 m=0
